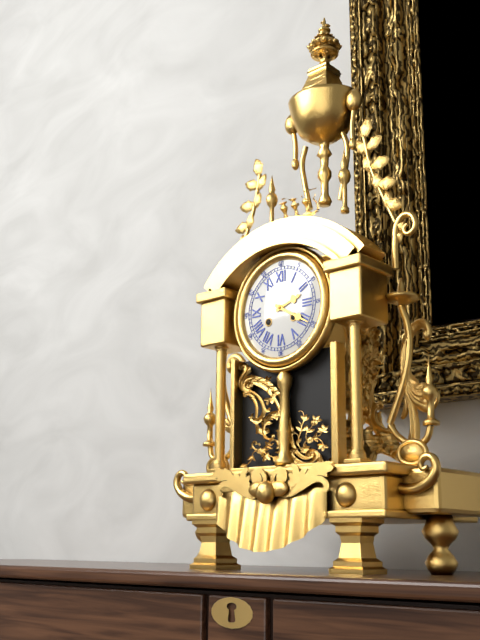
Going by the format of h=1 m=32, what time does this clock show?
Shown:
h=2 m=20
